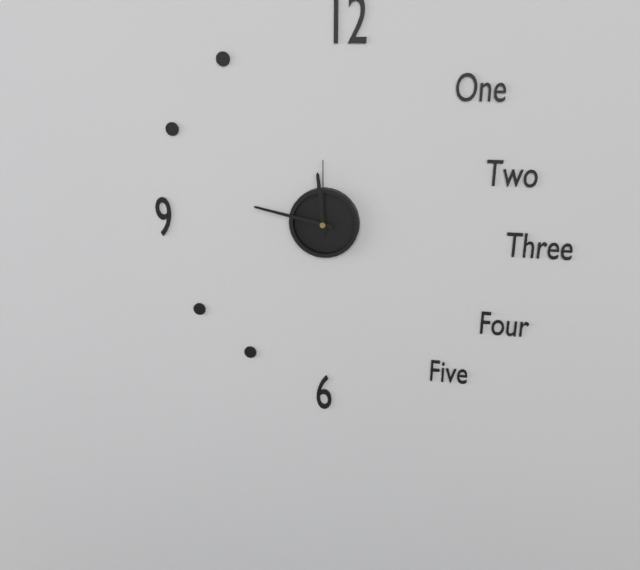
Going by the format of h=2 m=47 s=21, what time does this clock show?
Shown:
h=11 m=47 s=0
